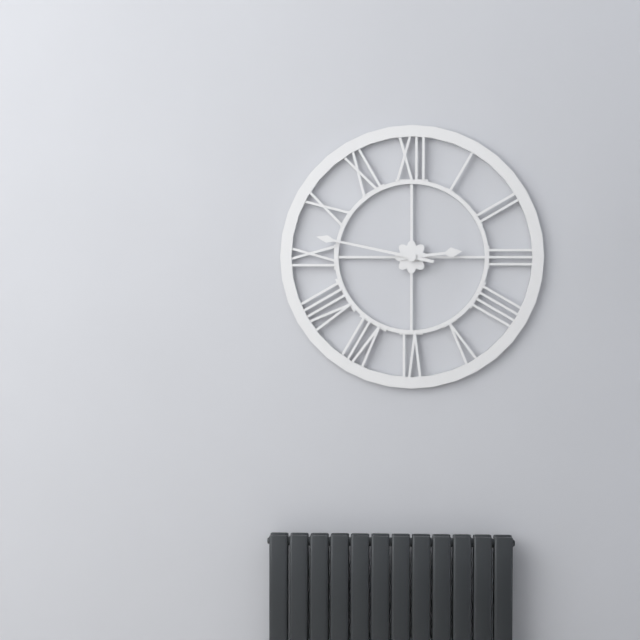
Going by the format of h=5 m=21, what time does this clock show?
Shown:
h=2 m=47
